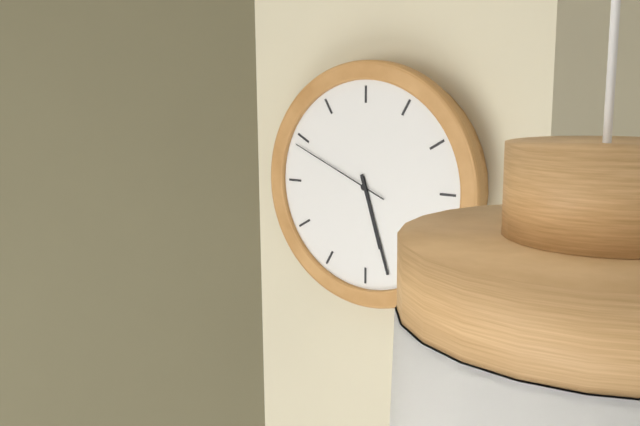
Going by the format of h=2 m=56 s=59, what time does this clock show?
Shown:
h=5 m=27 s=49
